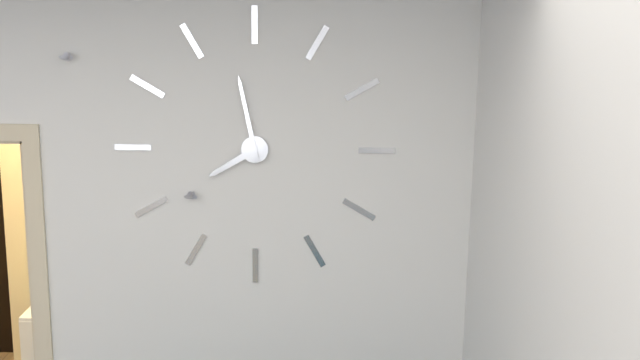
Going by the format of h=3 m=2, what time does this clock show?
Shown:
h=7 m=58
